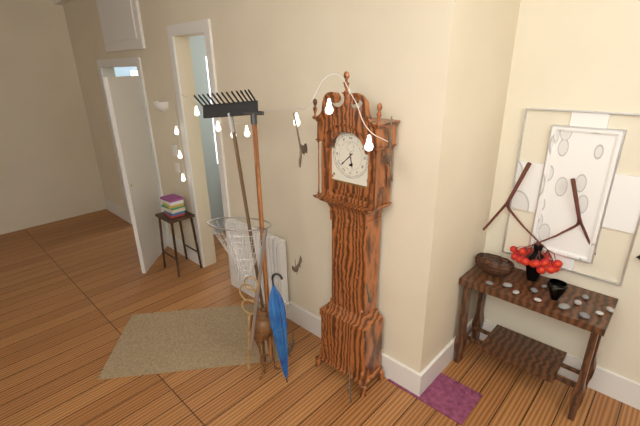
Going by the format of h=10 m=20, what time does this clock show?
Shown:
h=5 m=38
